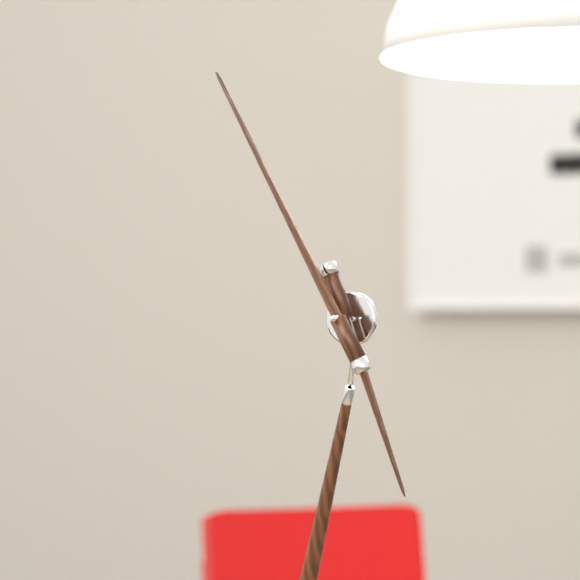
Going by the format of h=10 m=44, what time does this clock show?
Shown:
h=4 m=53
